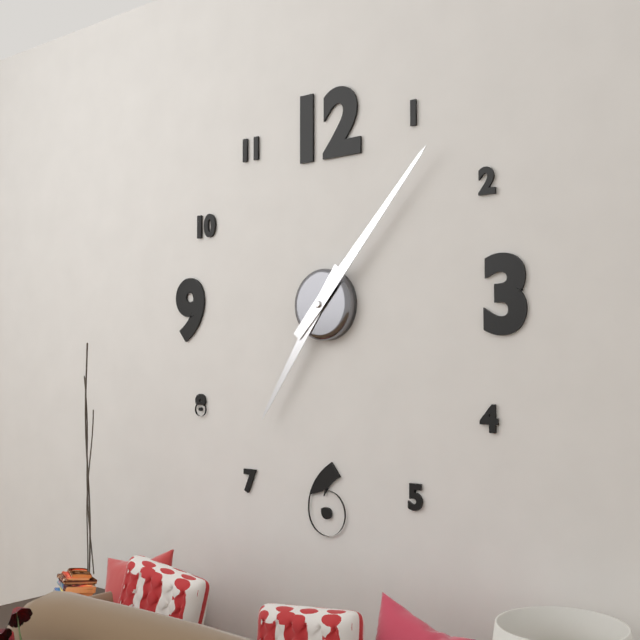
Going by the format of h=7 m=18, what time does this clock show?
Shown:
h=7 m=7
